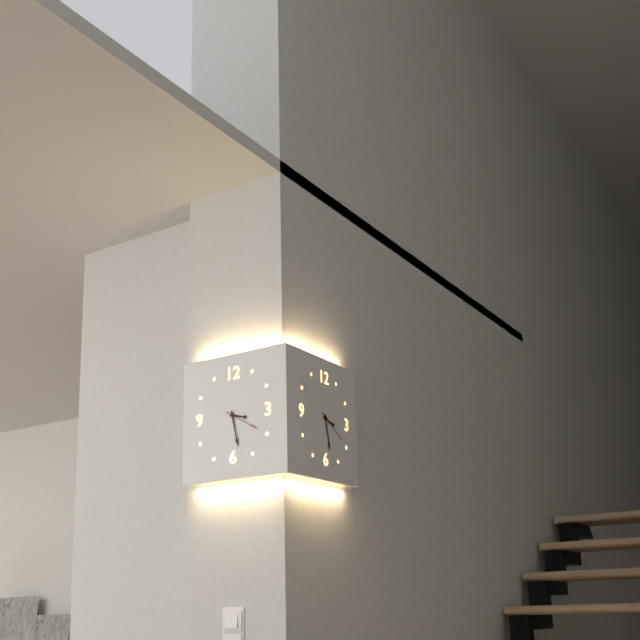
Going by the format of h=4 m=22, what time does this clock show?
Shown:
h=3 m=28
